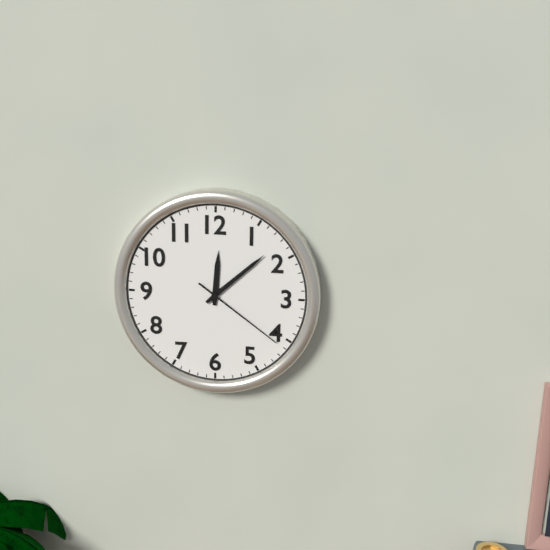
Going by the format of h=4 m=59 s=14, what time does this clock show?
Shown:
h=12 m=8 s=21
